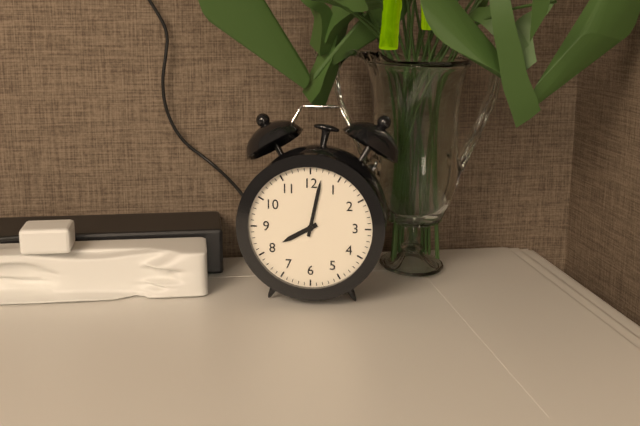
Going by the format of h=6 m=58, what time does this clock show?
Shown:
h=8 m=2
